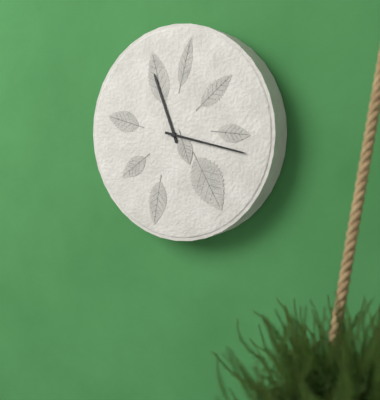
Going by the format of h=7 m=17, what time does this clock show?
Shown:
h=11 m=17
